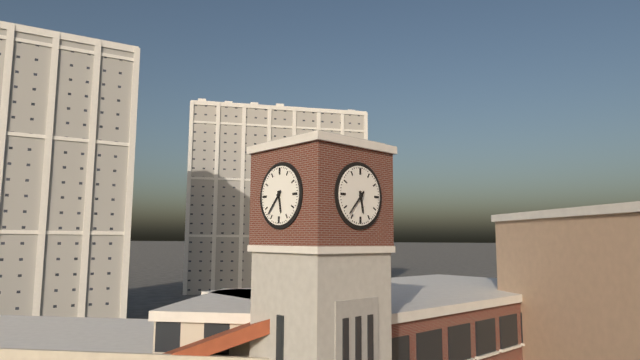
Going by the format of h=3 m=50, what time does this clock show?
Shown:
h=5 m=37
